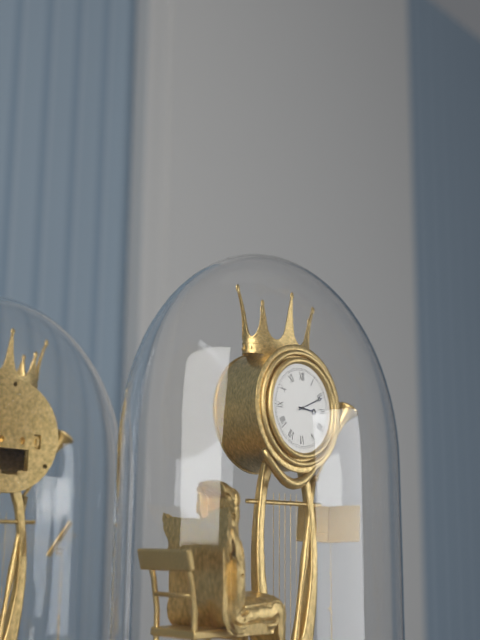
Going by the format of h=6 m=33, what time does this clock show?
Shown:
h=3 m=11
